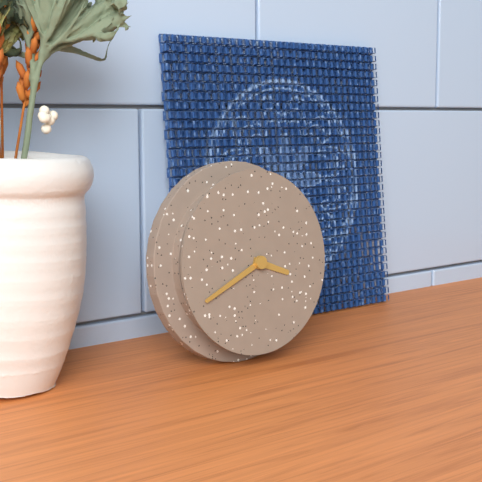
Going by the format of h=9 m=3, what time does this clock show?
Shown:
h=3 m=41
